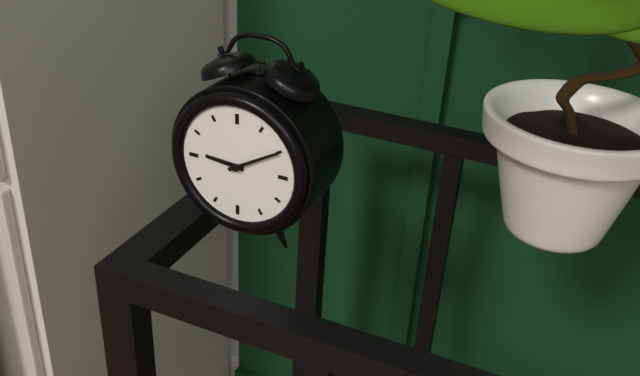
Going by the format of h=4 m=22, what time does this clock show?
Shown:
h=9 m=10
